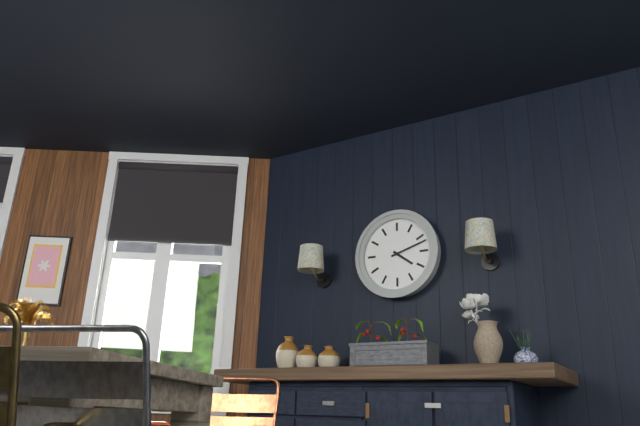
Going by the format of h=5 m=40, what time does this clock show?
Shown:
h=4 m=12
